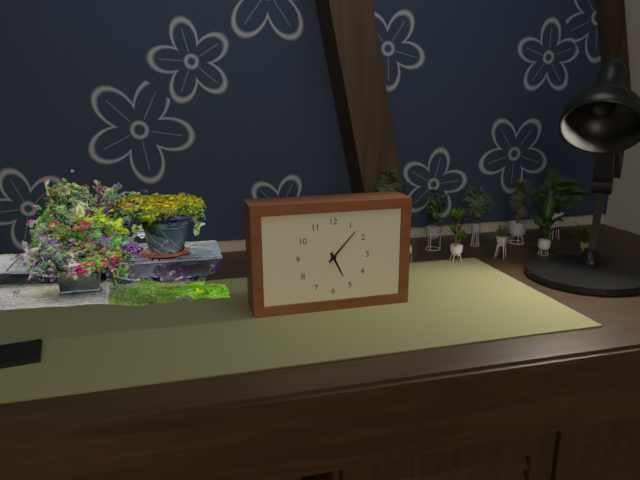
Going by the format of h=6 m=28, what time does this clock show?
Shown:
h=5 m=7
